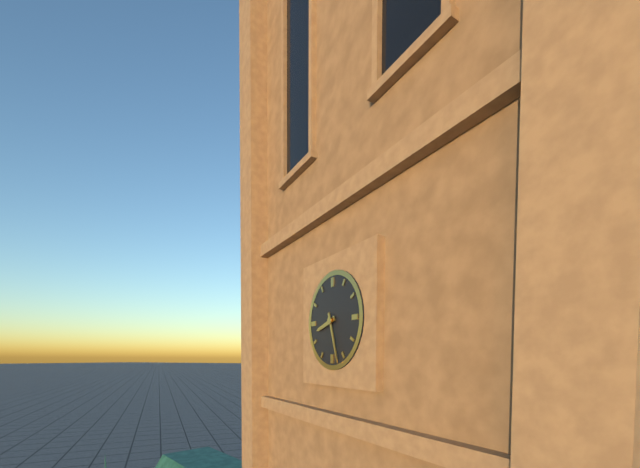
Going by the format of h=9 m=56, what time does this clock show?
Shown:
h=8 m=27
